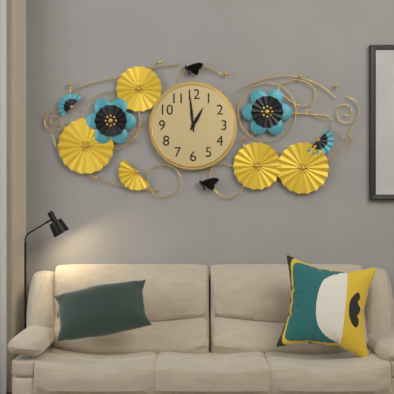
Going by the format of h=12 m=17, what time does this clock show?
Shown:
h=12 m=59
